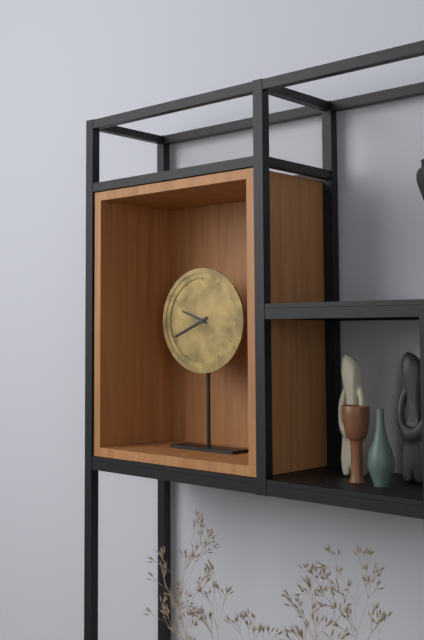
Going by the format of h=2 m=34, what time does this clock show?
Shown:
h=9 m=41
